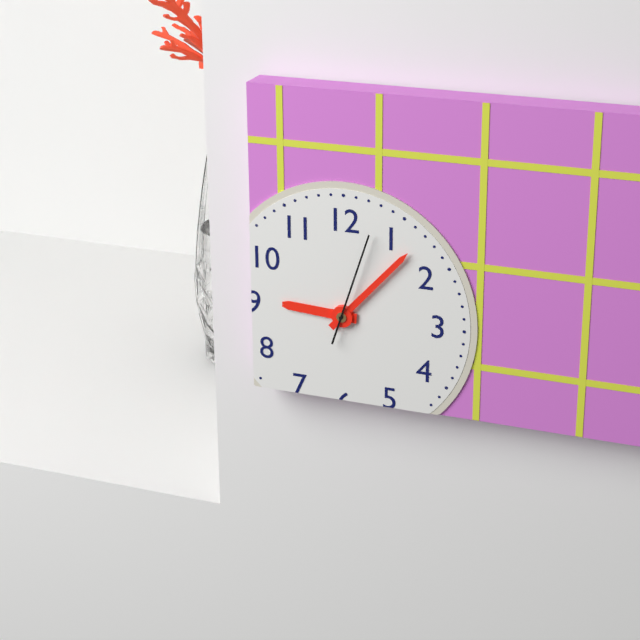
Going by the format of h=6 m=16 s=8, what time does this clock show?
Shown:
h=9 m=7 s=3
